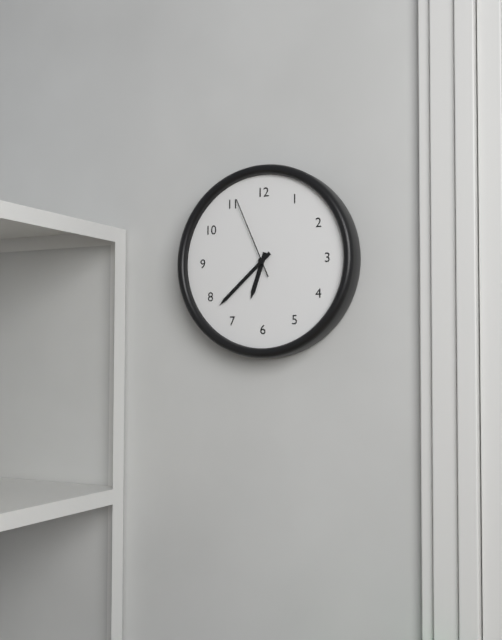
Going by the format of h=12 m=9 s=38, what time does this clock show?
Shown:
h=6 m=38 s=56
